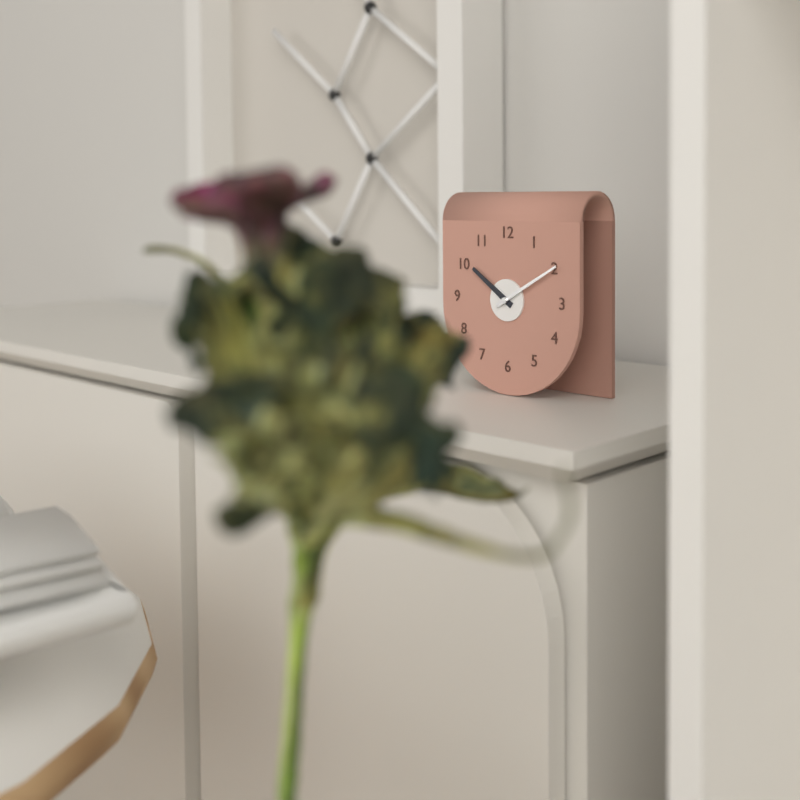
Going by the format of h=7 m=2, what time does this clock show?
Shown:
h=10 m=10
